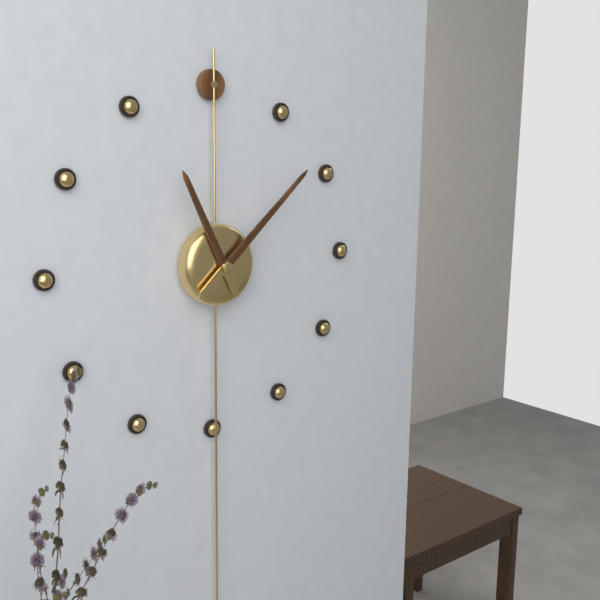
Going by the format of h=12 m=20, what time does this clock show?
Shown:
h=11 m=8
